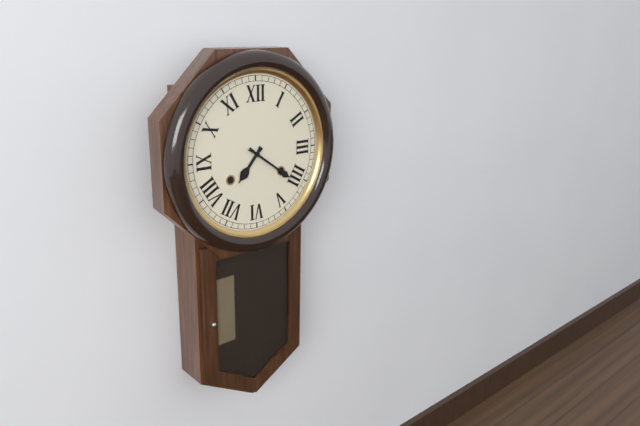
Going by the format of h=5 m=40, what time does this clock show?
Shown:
h=7 m=21
